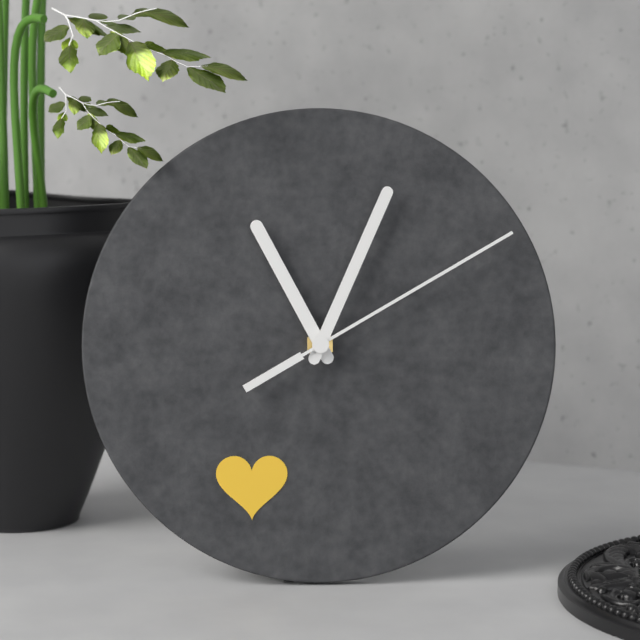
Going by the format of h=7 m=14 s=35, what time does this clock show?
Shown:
h=11 m=4 s=10
